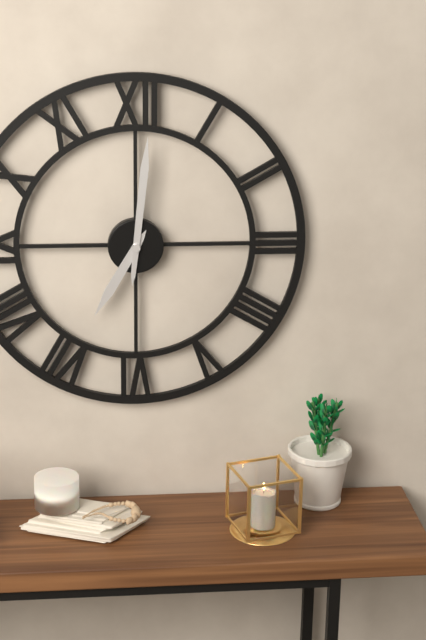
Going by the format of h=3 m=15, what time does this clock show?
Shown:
h=7 m=1
